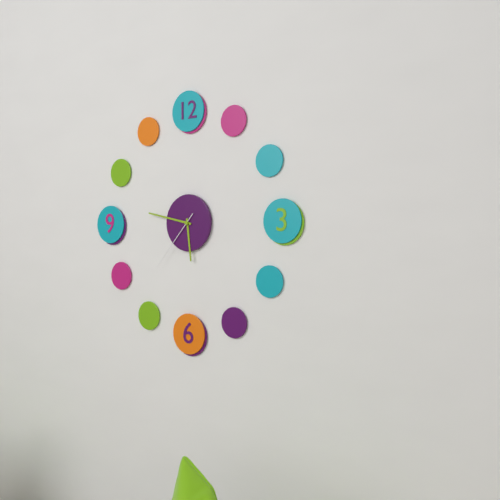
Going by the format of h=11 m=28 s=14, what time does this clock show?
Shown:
h=5 m=47 s=37
